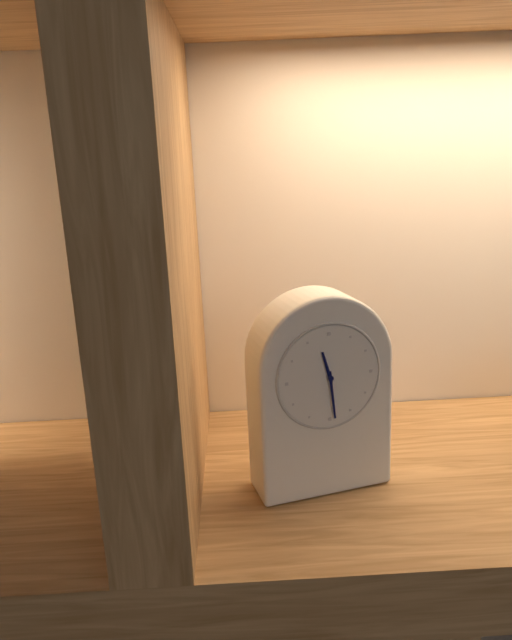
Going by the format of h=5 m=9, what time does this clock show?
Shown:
h=11 m=29
